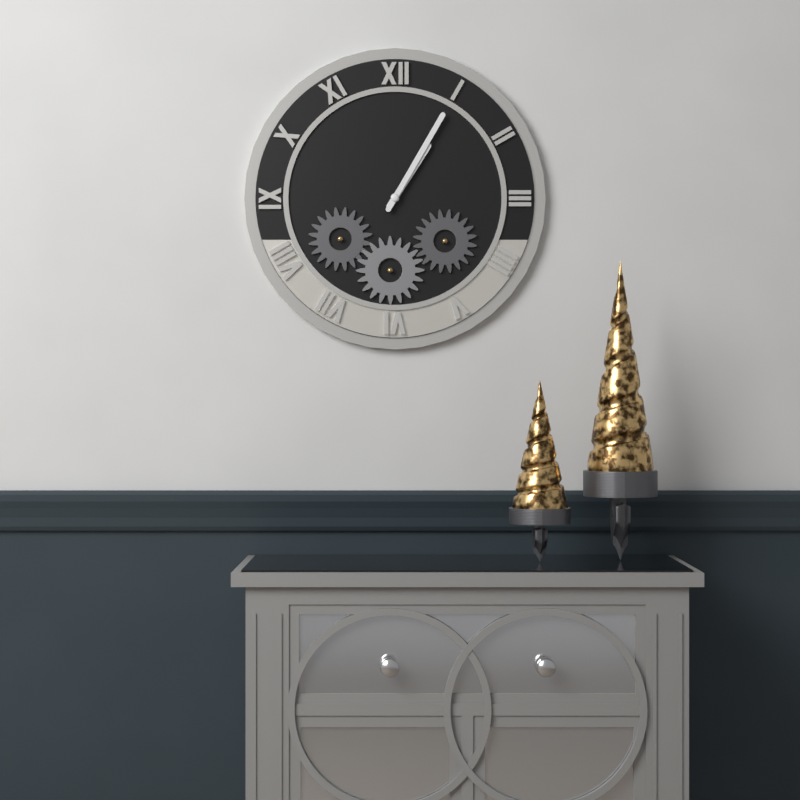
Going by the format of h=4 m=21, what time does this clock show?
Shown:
h=1 m=5
